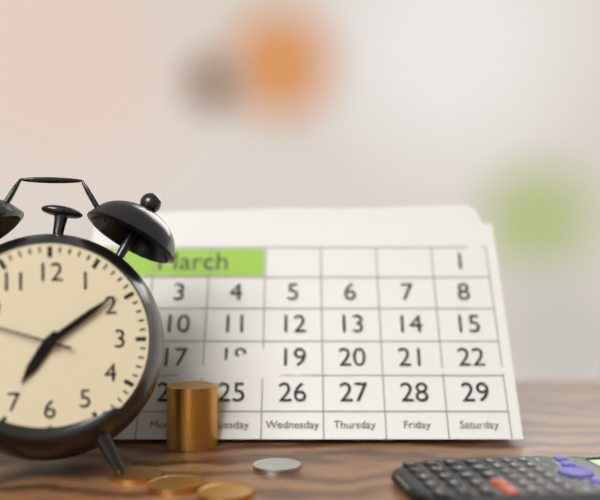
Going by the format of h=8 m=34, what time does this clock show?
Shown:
h=7 m=9
